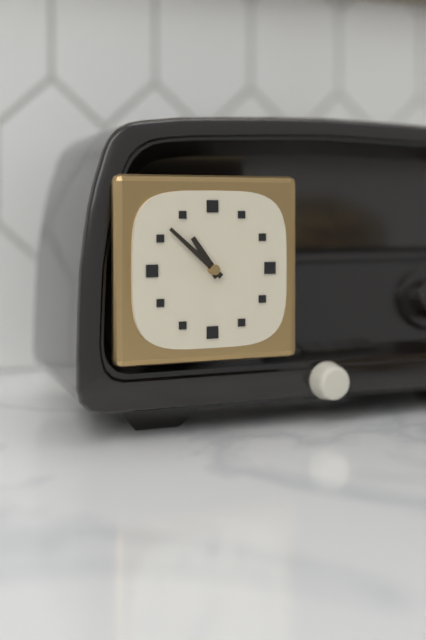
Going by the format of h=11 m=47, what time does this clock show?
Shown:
h=10 m=52
